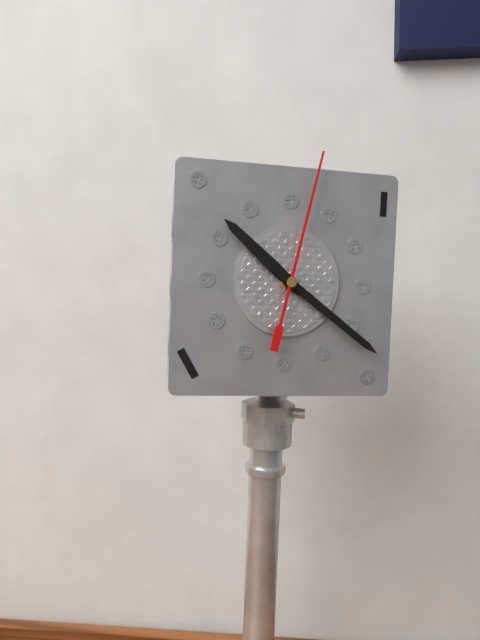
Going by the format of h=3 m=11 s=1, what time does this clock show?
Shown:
h=10 m=21 s=2
